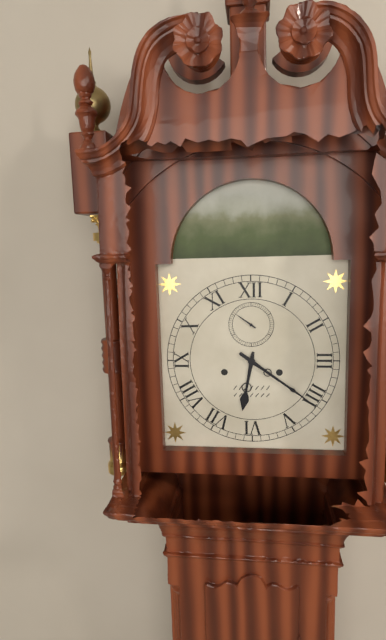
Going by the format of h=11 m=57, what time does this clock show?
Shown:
h=6 m=21
